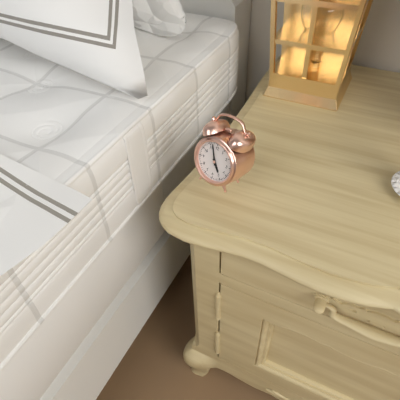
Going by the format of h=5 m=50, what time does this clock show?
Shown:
h=4 m=57
